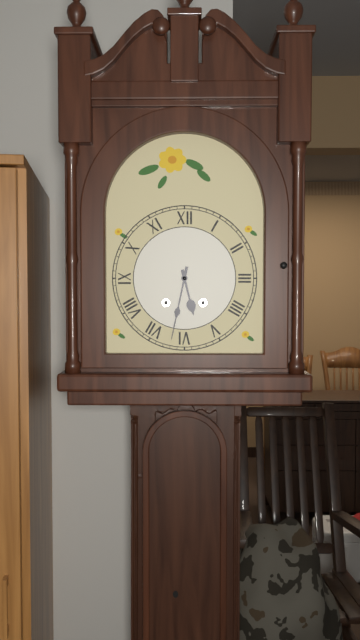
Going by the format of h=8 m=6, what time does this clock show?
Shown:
h=5 m=32
